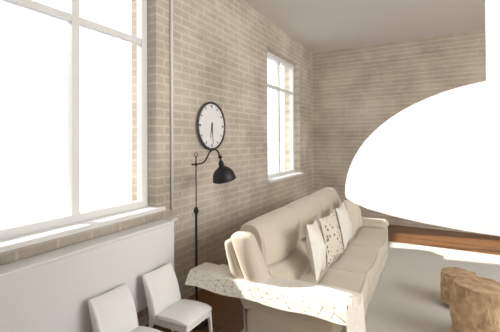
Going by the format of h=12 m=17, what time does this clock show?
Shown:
h=6 m=29
